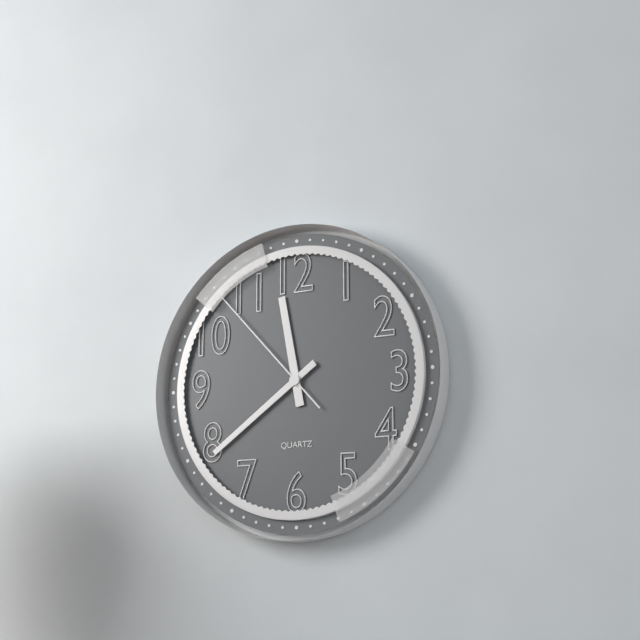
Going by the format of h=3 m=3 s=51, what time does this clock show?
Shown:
h=11 m=39 s=53
